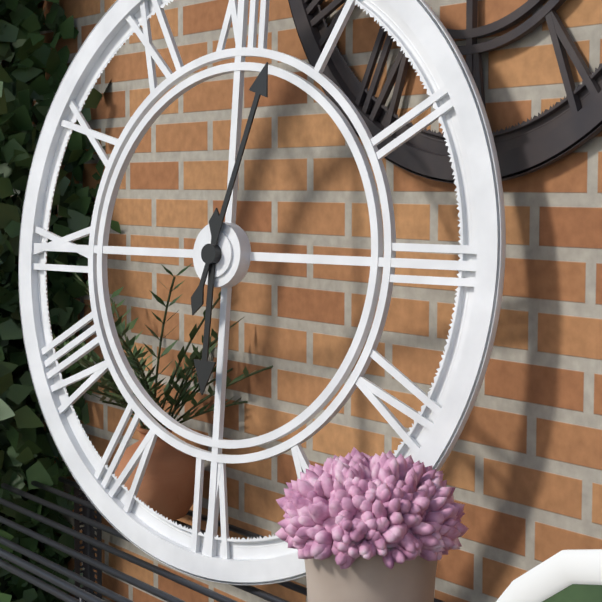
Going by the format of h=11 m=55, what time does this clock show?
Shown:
h=6 m=3
